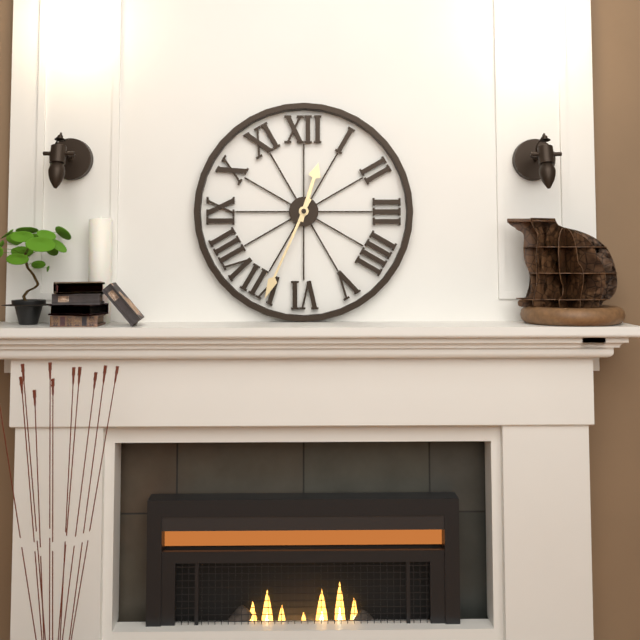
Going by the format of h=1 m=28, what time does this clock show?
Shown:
h=12 m=34
